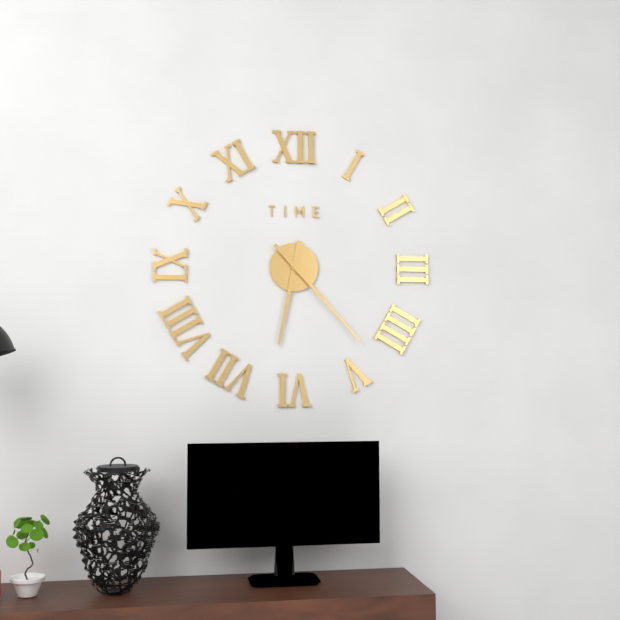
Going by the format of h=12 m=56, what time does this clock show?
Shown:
h=6 m=23
